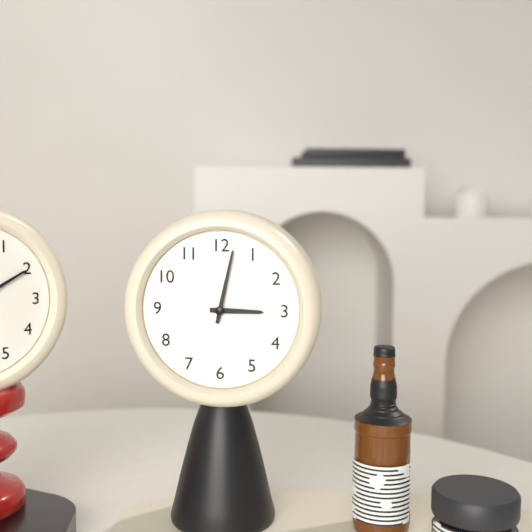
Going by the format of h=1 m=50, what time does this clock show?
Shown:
h=3 m=2
